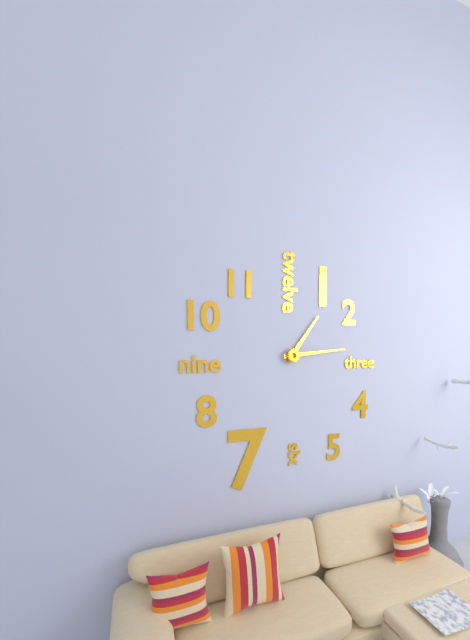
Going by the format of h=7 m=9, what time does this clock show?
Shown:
h=1 m=14
